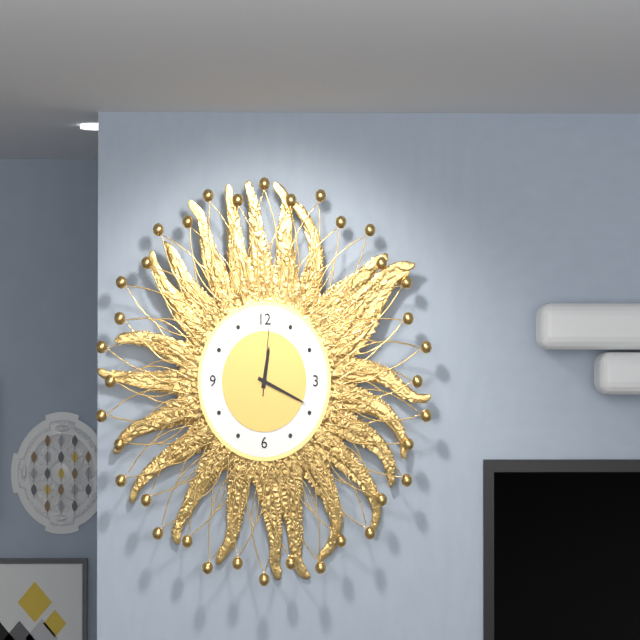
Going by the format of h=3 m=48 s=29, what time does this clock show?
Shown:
h=12 m=19 s=1
